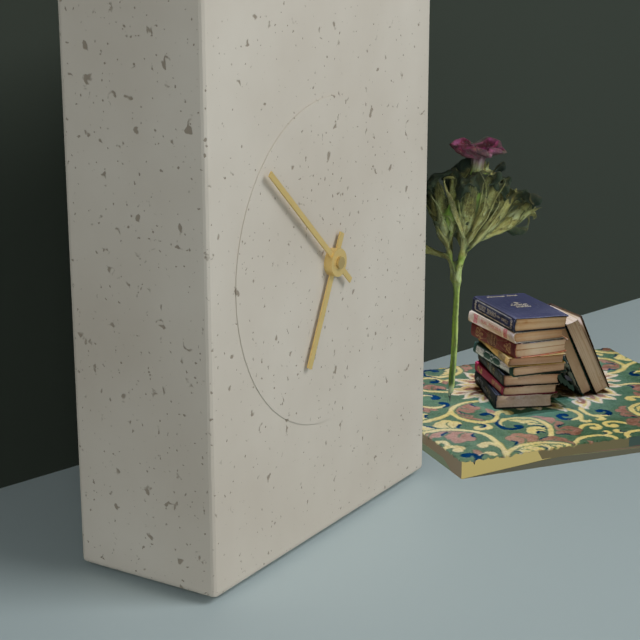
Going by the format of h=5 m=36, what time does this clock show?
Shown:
h=6 m=52
